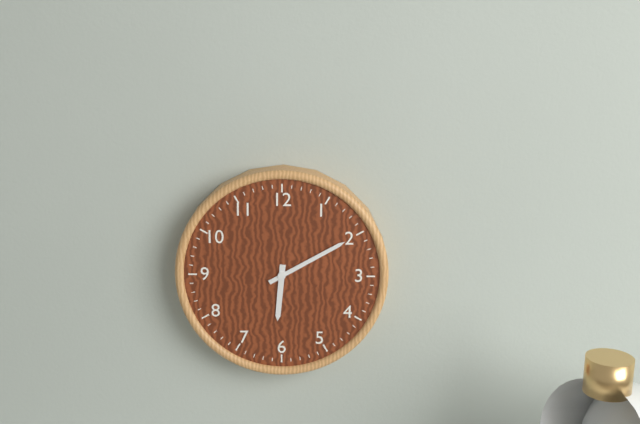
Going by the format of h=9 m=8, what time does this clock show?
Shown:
h=6 m=10
